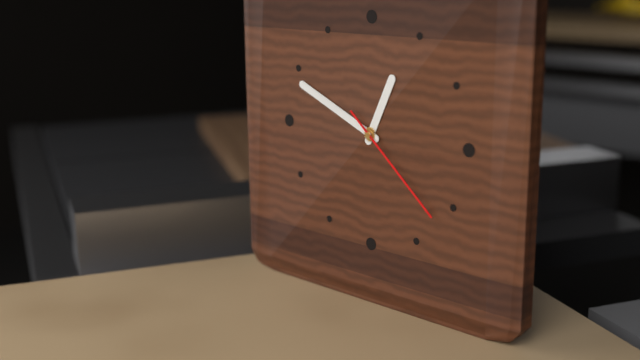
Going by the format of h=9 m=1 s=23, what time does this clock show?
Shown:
h=12 m=49 s=22
